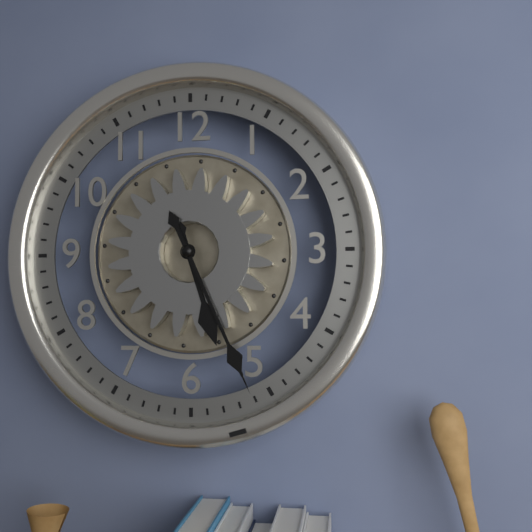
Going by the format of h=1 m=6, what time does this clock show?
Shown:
h=5 m=26
